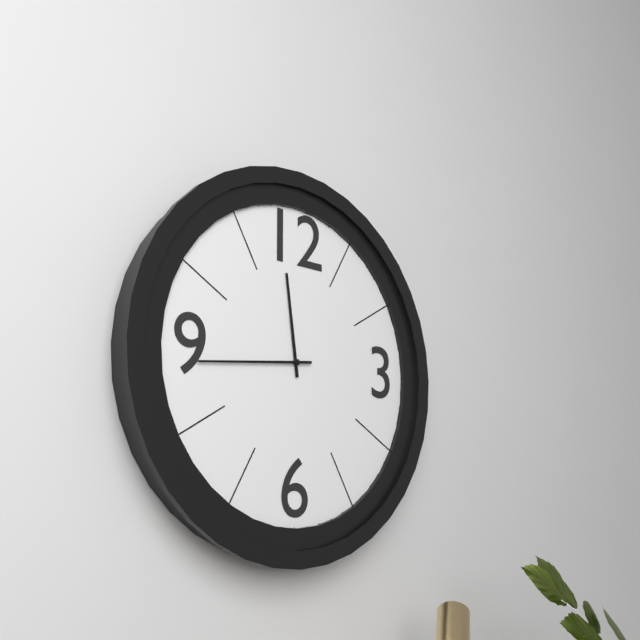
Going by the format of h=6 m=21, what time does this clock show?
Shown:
h=11 m=44
